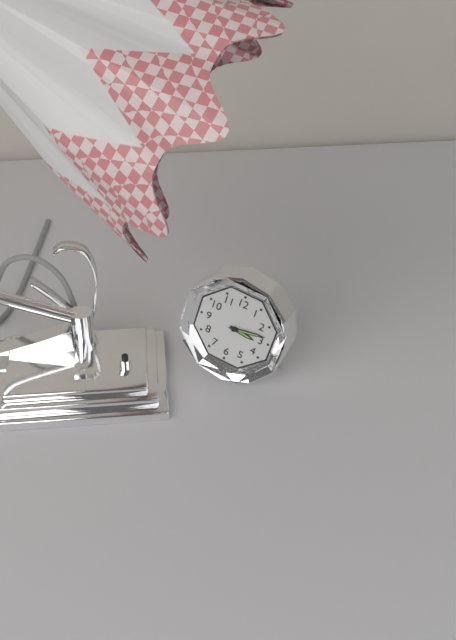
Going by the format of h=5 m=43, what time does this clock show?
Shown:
h=3 m=13
